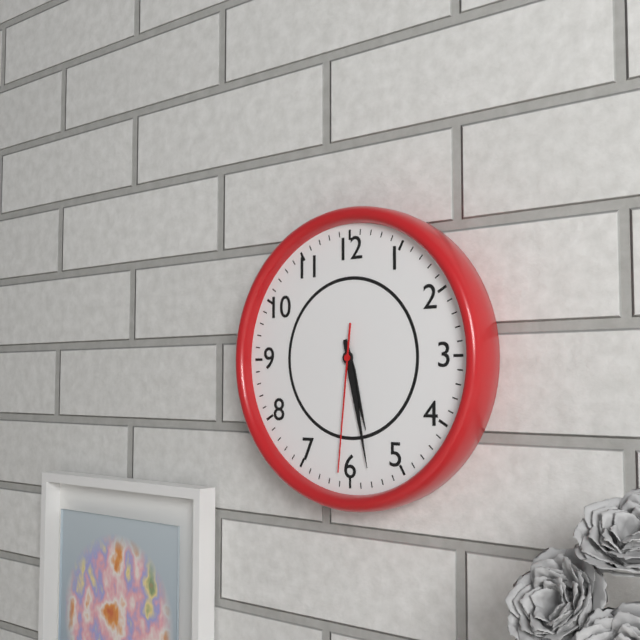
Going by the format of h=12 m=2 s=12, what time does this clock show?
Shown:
h=5 m=28 s=31
